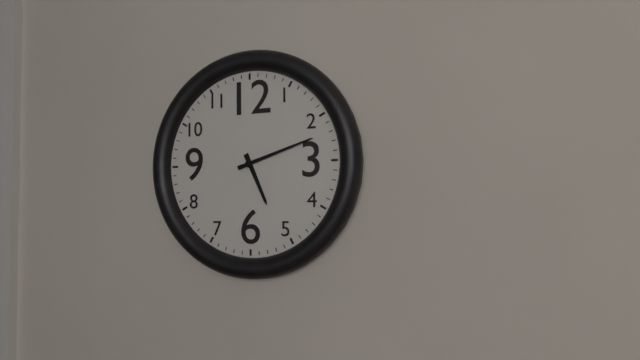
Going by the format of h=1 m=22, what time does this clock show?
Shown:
h=5 m=12
